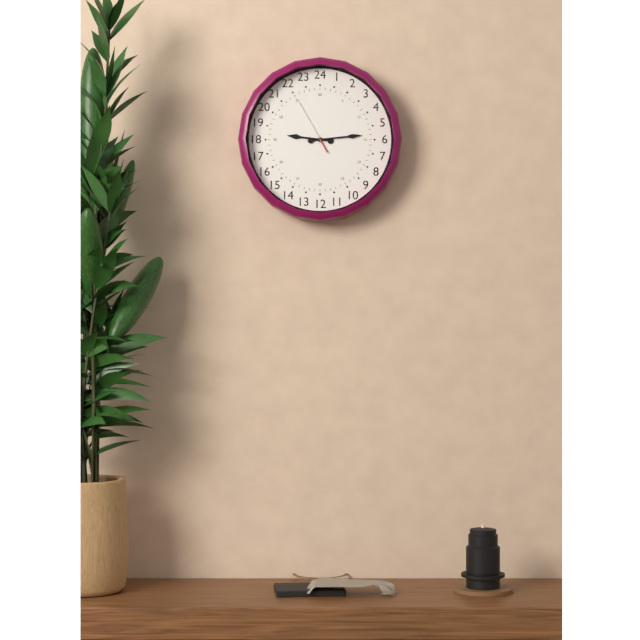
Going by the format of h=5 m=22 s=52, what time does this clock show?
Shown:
h=9 m=14 s=55
